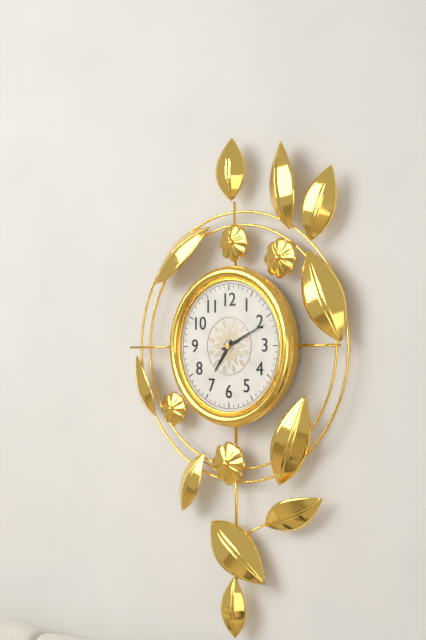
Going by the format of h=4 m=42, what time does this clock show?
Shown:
h=7 m=11
